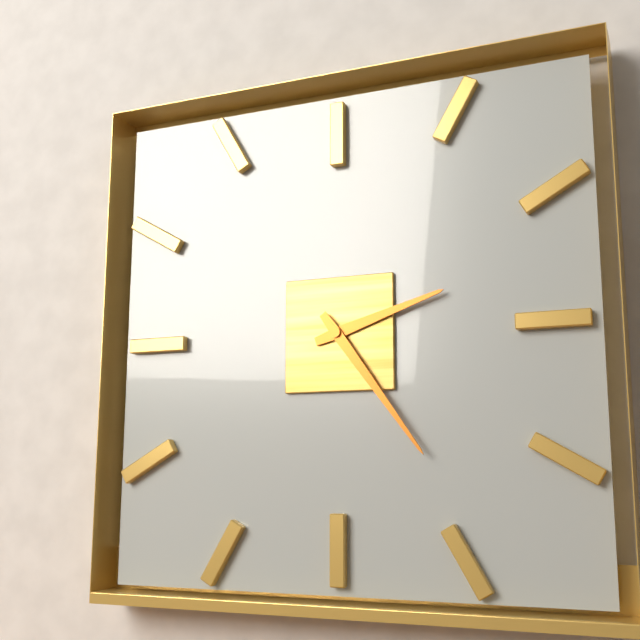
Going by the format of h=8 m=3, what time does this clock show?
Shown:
h=2 m=24
